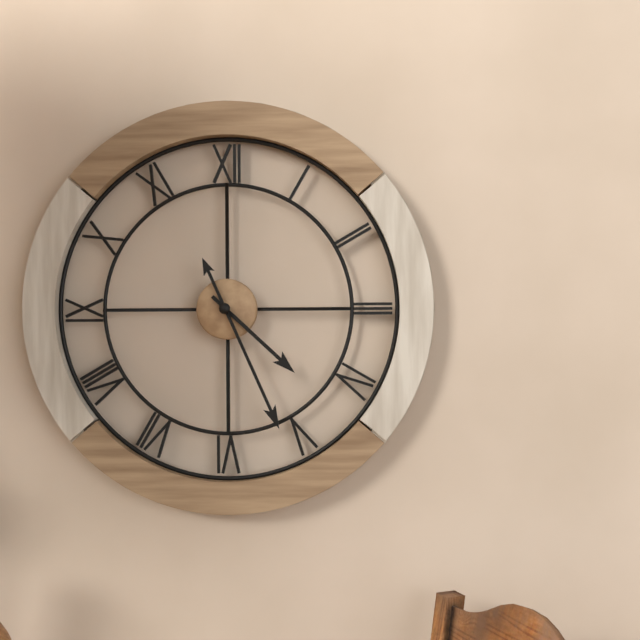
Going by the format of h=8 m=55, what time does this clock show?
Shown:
h=4 m=26
